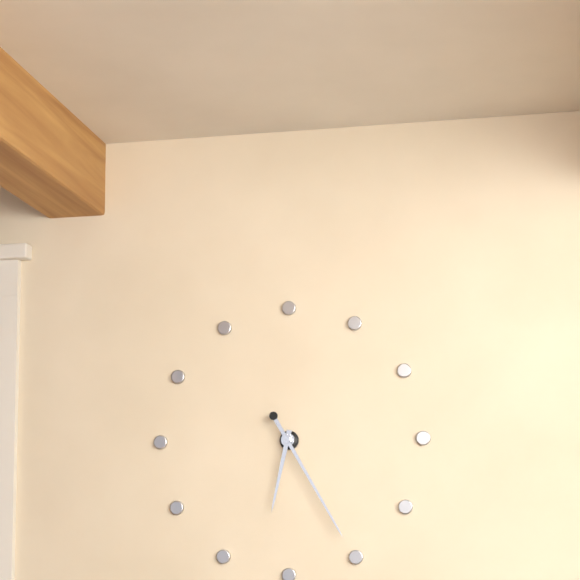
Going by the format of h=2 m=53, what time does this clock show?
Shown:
h=6 m=25
